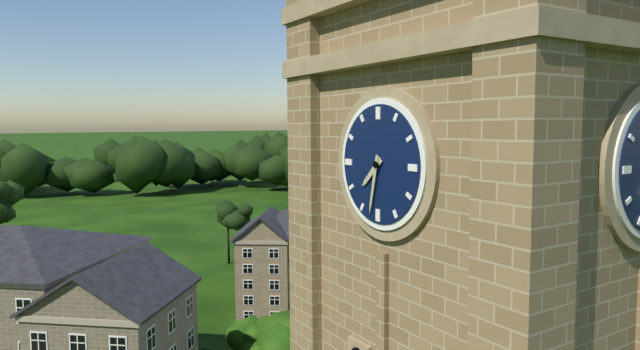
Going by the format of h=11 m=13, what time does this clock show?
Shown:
h=7 m=32
